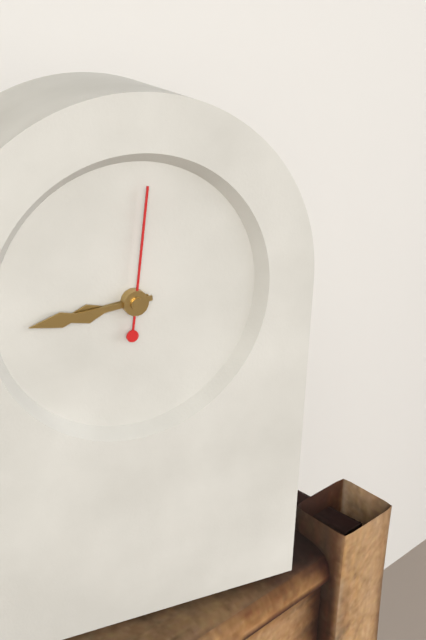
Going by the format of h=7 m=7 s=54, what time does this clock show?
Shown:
h=8 m=44 s=1
